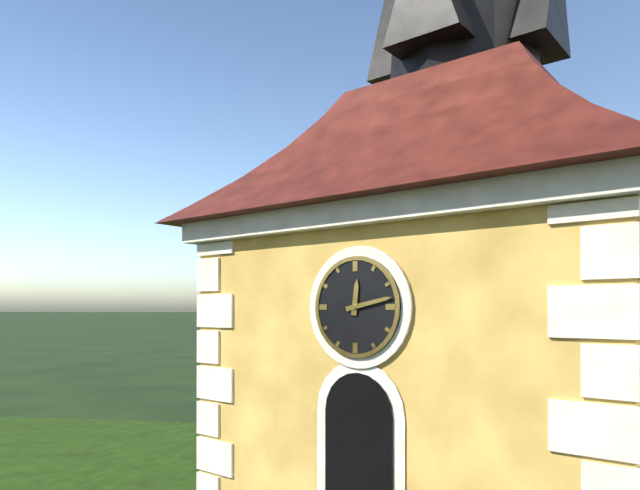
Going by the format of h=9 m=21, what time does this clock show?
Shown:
h=12 m=13
